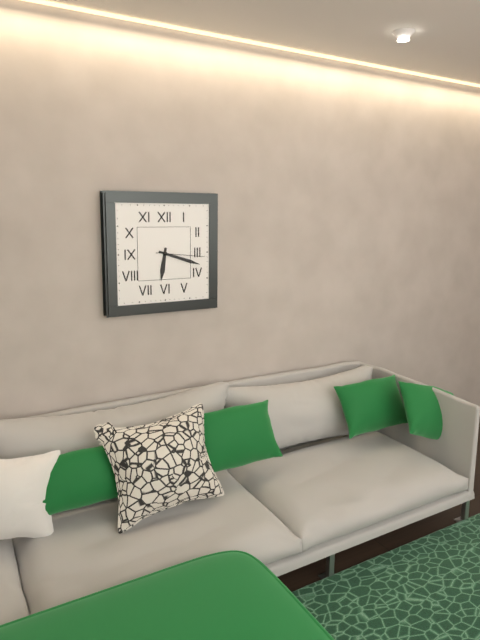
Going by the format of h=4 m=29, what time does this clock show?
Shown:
h=6 m=18
